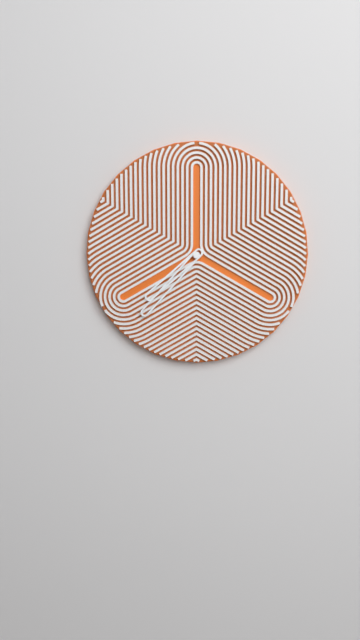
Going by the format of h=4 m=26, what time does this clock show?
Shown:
h=7 m=37
